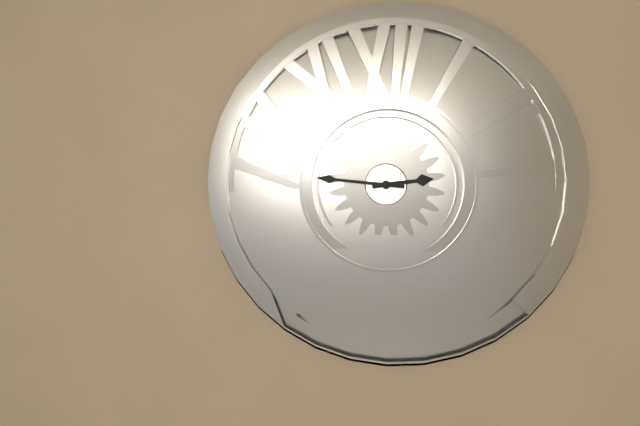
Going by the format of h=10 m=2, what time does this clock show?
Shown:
h=2 m=46
